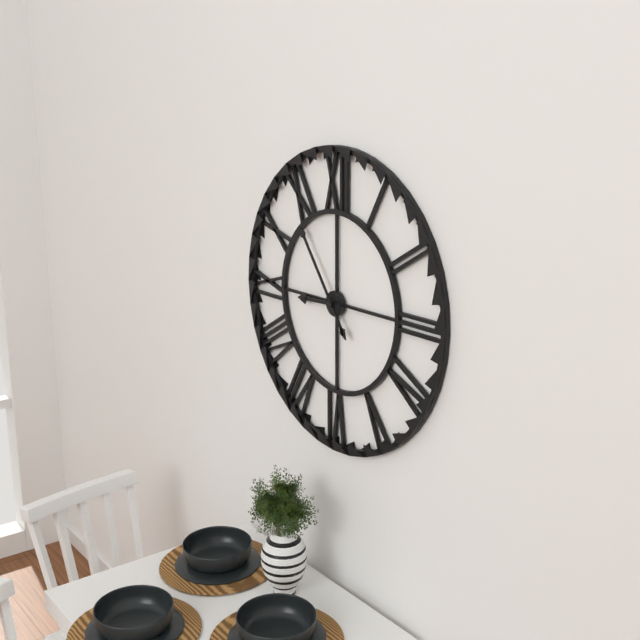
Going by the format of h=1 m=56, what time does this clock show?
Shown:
h=8 m=54
